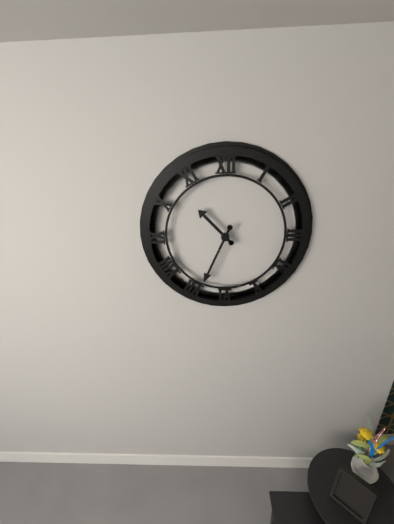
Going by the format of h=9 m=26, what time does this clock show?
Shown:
h=10 m=34
